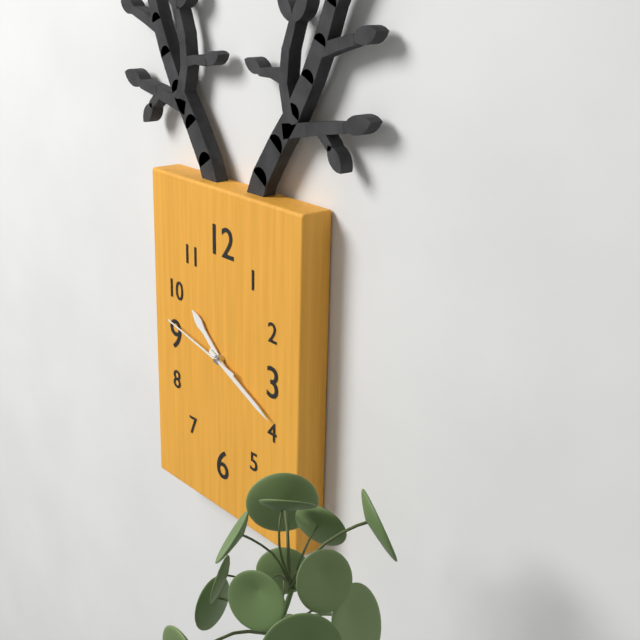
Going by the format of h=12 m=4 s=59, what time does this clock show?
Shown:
h=10 m=19 s=47
